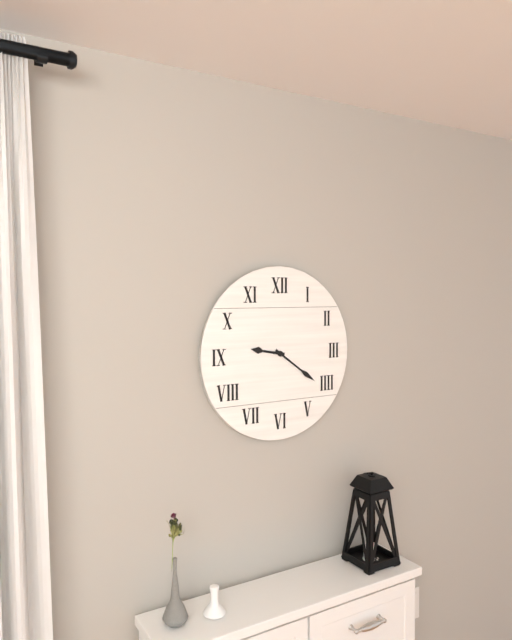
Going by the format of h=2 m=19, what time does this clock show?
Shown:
h=9 m=21
